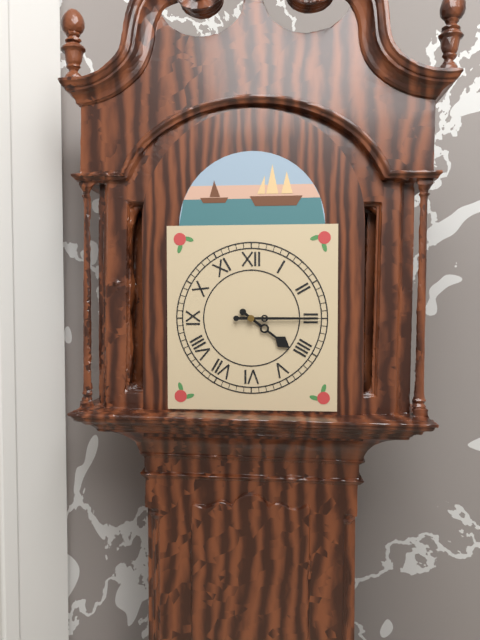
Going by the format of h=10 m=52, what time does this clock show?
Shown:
h=4 m=15
